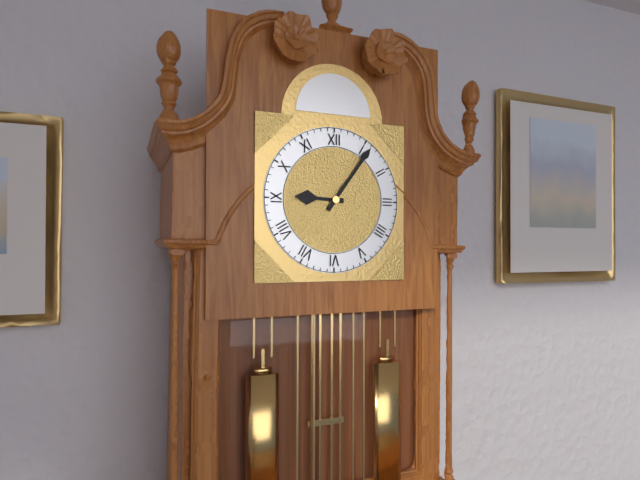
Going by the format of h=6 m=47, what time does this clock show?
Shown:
h=9 m=6
